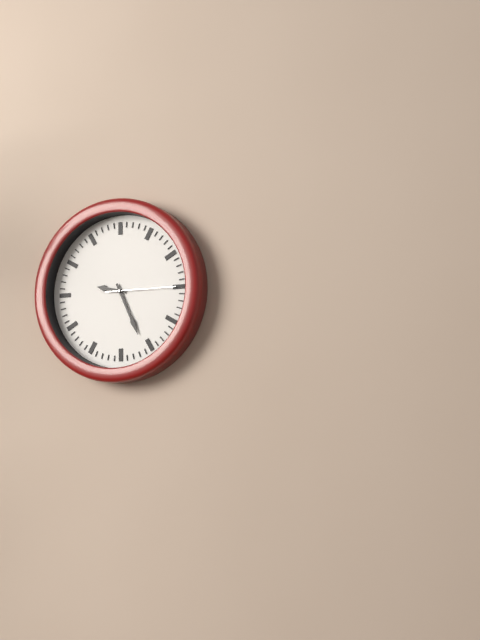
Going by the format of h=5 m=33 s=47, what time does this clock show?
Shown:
h=9 m=26 s=15
